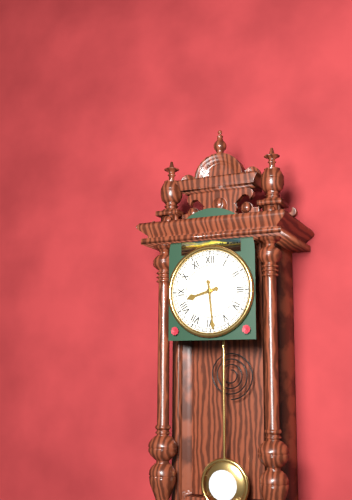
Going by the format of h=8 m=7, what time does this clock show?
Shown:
h=8 m=29
